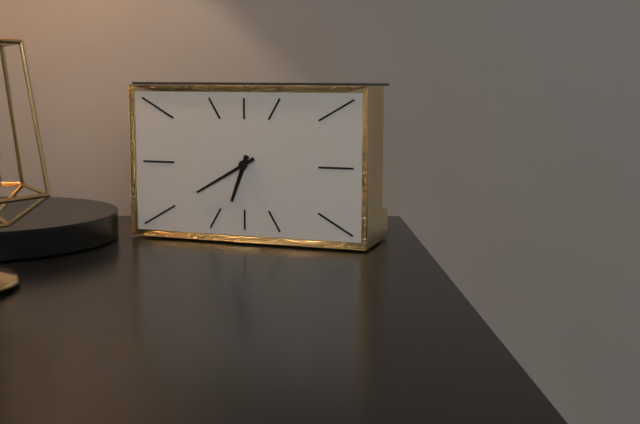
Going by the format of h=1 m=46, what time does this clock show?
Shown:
h=6 m=40
